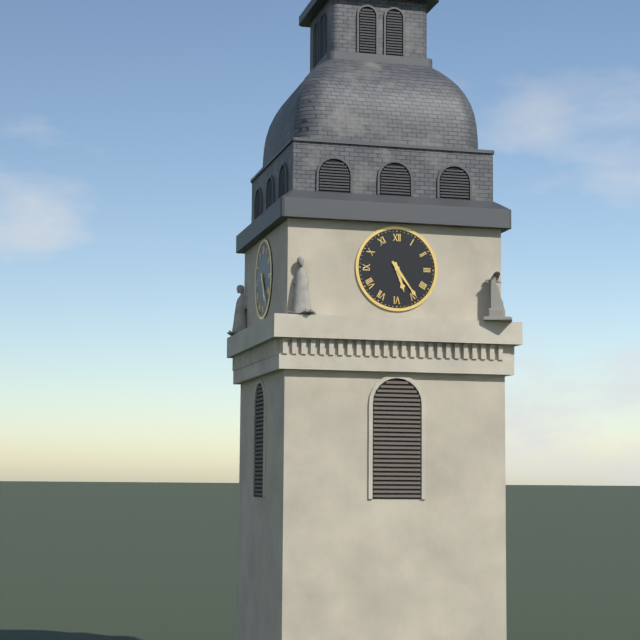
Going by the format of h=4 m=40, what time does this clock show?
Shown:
h=5 m=24
